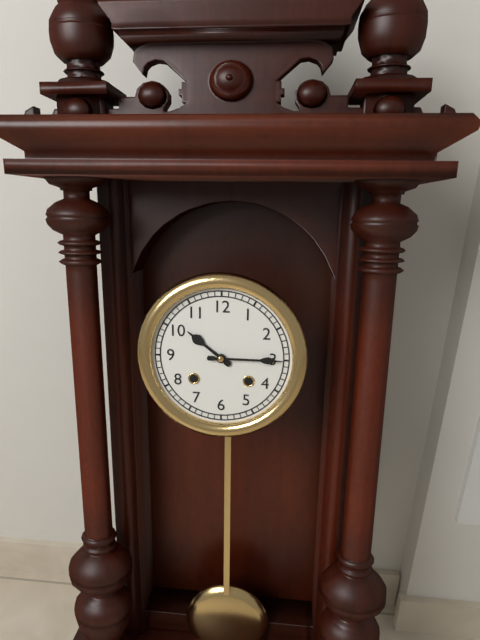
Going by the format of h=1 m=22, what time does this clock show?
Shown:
h=10 m=15
